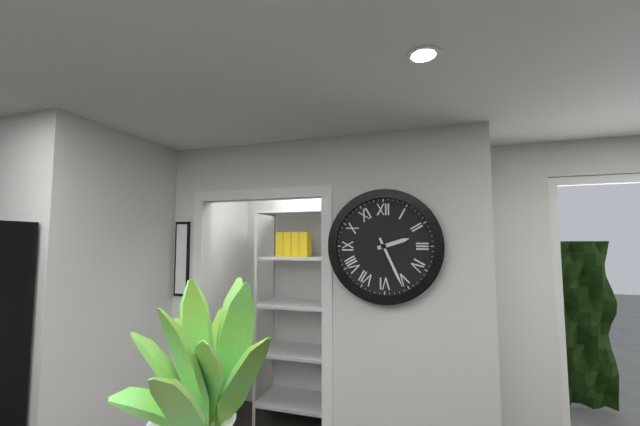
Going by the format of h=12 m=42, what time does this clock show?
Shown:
h=2 m=26
